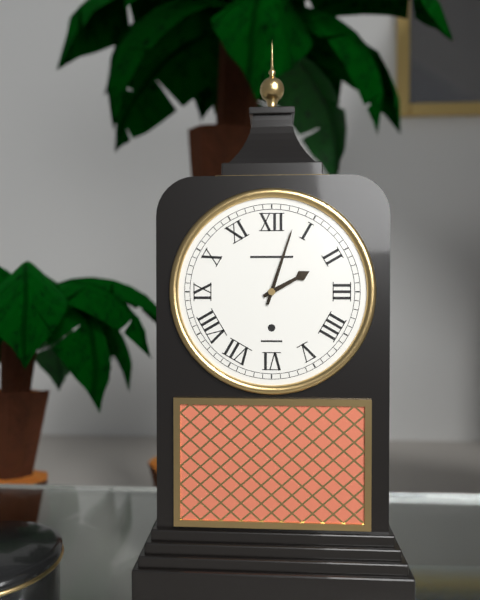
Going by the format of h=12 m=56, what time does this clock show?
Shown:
h=2 m=3
